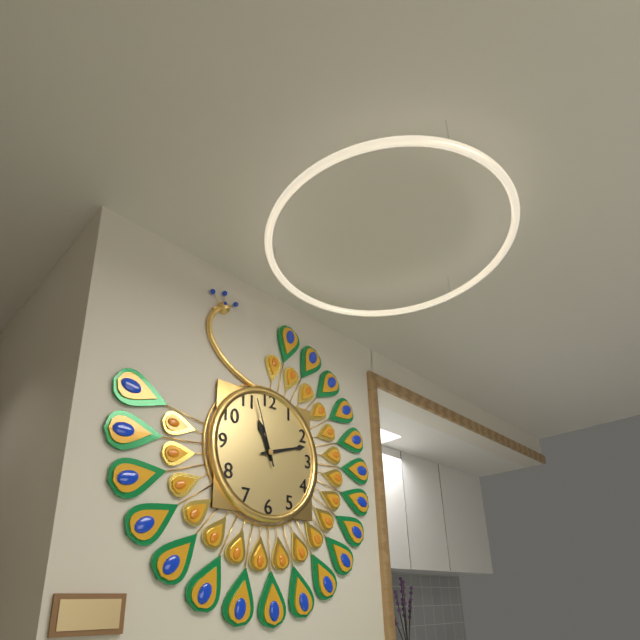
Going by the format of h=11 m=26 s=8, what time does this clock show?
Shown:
h=11 m=12 s=57
